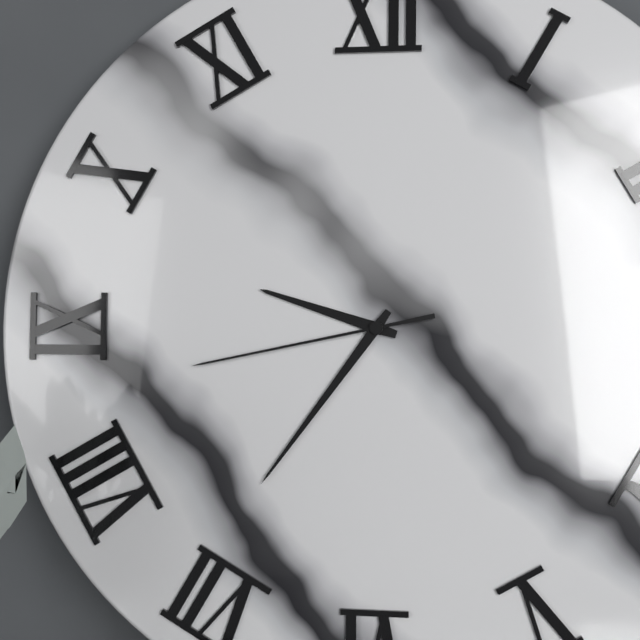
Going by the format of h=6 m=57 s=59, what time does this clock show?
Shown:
h=9 m=36 s=43
